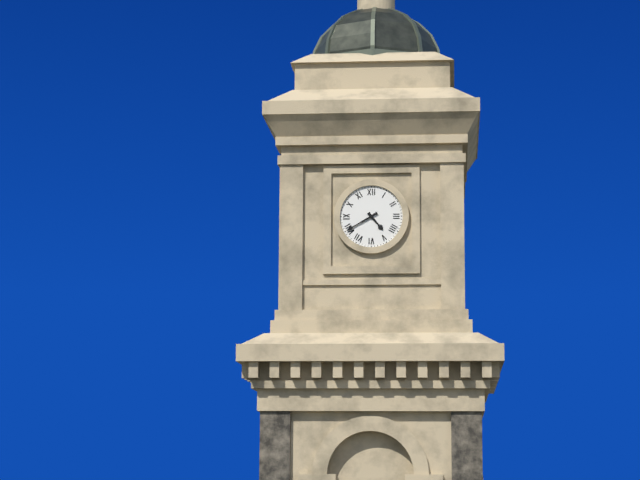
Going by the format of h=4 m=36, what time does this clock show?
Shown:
h=4 m=40
